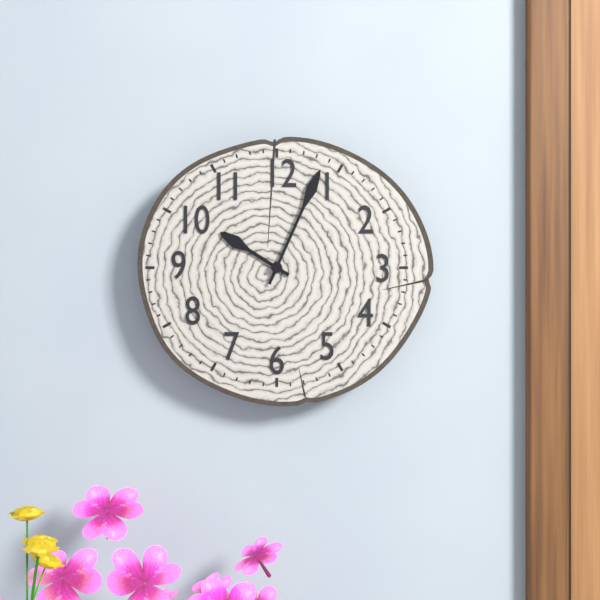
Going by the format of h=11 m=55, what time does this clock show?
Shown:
h=10 m=4
